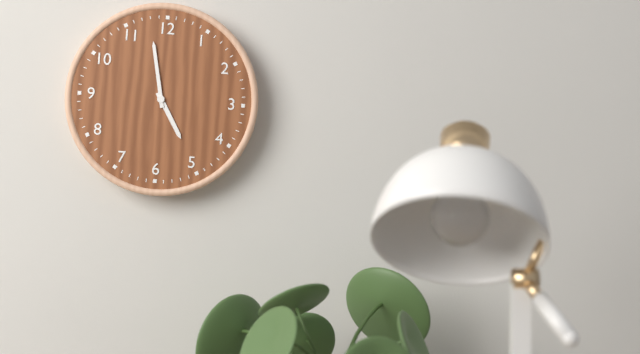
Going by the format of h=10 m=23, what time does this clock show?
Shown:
h=4 m=58
